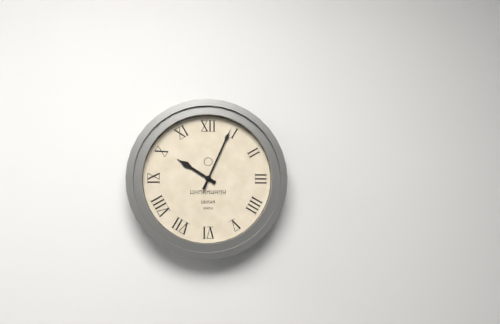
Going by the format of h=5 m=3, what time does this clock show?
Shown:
h=10 m=4
